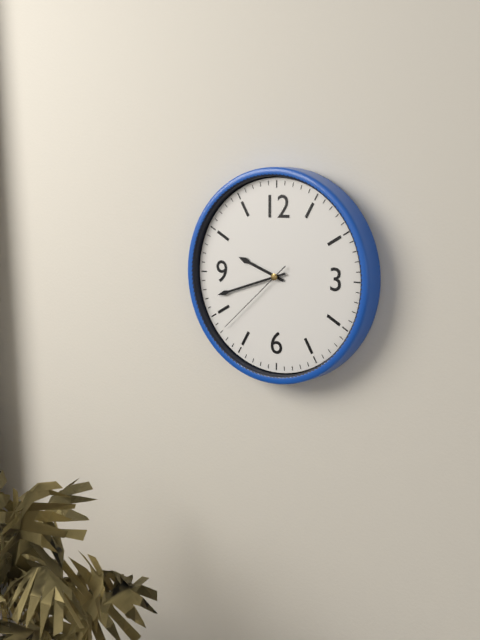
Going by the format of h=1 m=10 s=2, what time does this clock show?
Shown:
h=9 m=42 s=38
